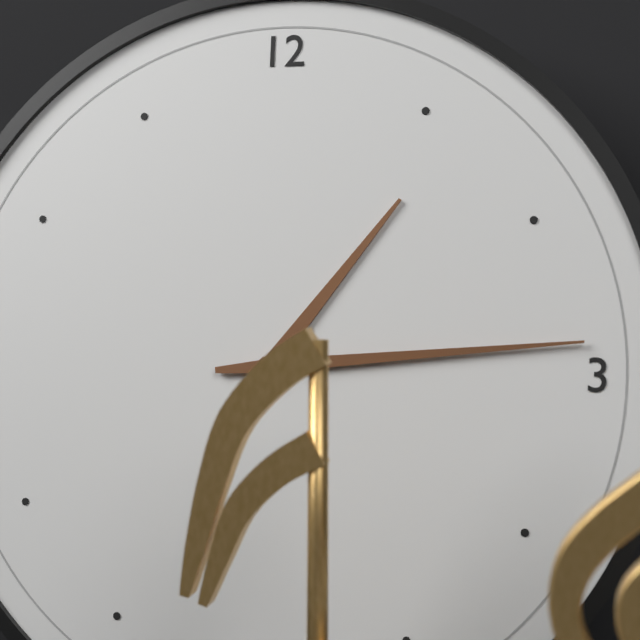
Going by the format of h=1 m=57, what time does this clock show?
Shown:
h=1 m=14
